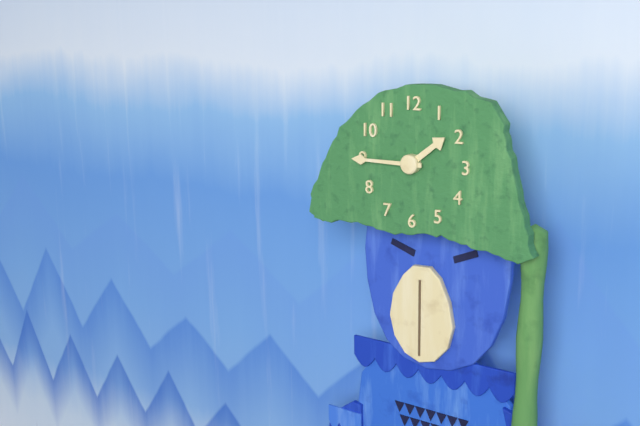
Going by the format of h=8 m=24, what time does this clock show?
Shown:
h=1 m=45
